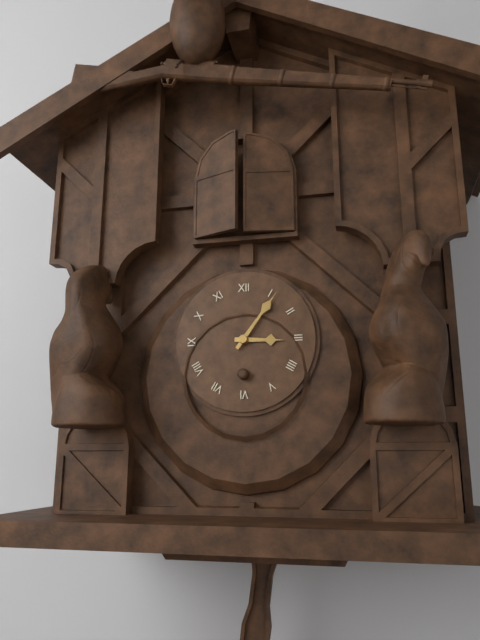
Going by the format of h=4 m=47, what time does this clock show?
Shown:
h=3 m=6
